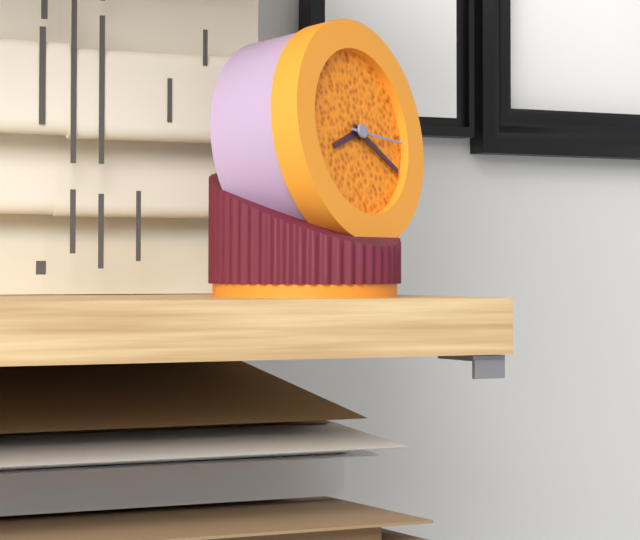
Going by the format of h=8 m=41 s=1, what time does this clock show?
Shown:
h=8 m=20 s=16
